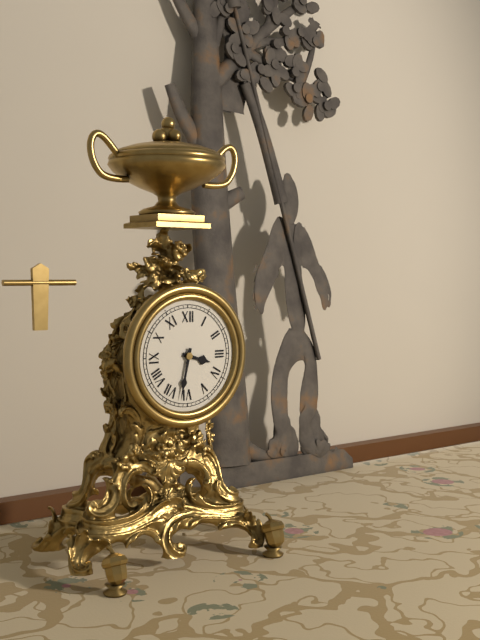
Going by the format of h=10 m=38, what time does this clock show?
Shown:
h=3 m=32
